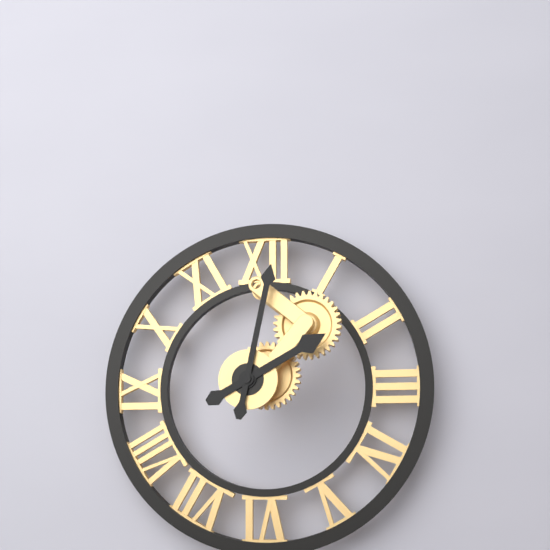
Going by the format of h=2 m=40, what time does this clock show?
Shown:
h=2 m=2
